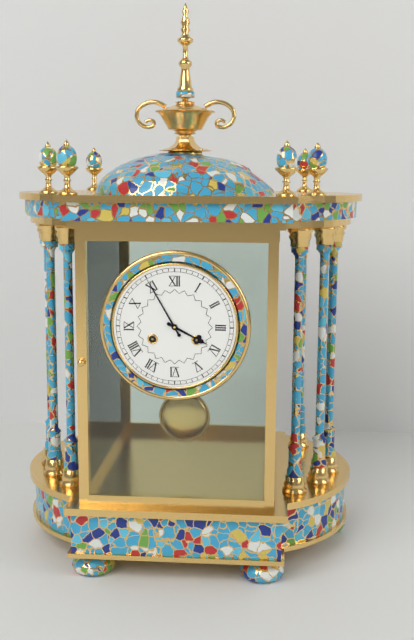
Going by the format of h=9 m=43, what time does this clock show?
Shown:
h=3 m=55
